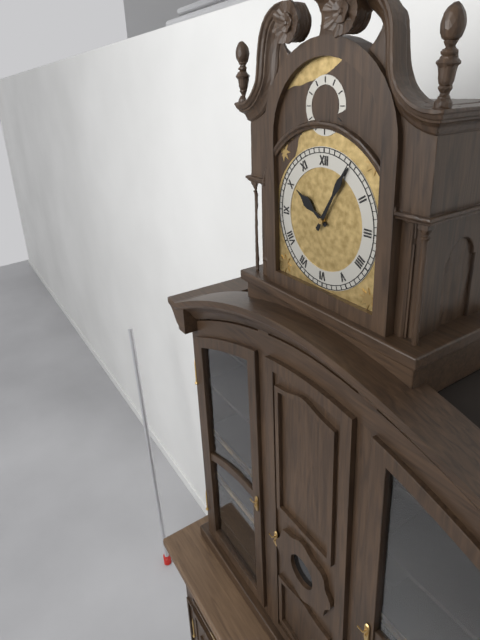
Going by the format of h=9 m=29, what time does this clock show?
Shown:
h=10 m=5
